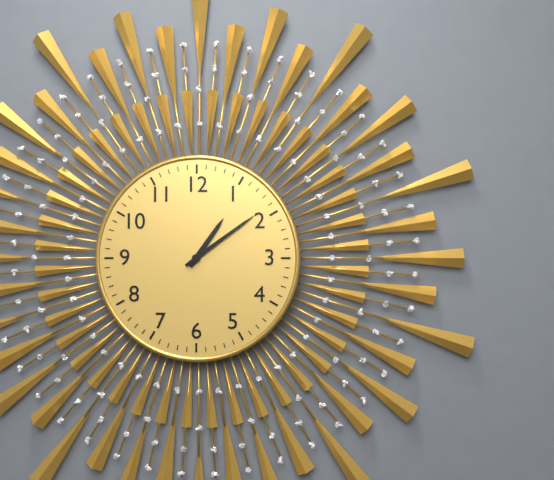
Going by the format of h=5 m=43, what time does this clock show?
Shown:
h=1 m=9
